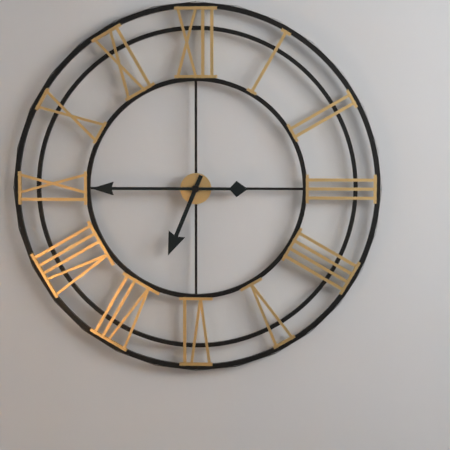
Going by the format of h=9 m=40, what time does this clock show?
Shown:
h=6 m=45
